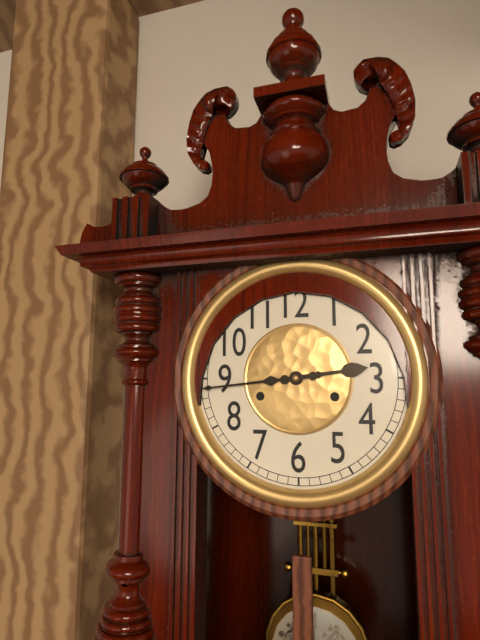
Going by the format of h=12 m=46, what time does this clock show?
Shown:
h=2 m=44
